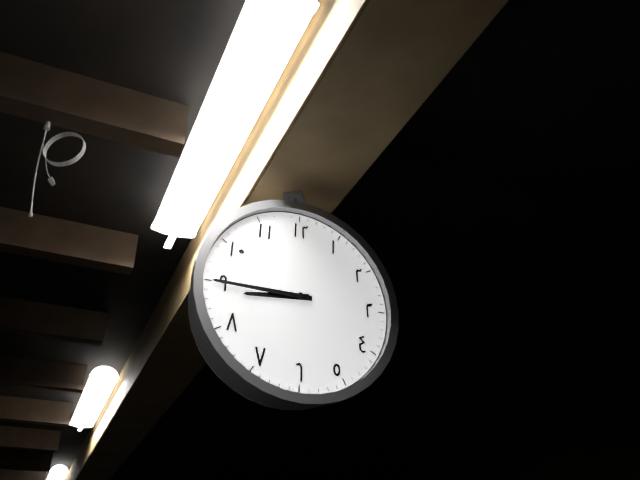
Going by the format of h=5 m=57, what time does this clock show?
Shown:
h=8 m=45
